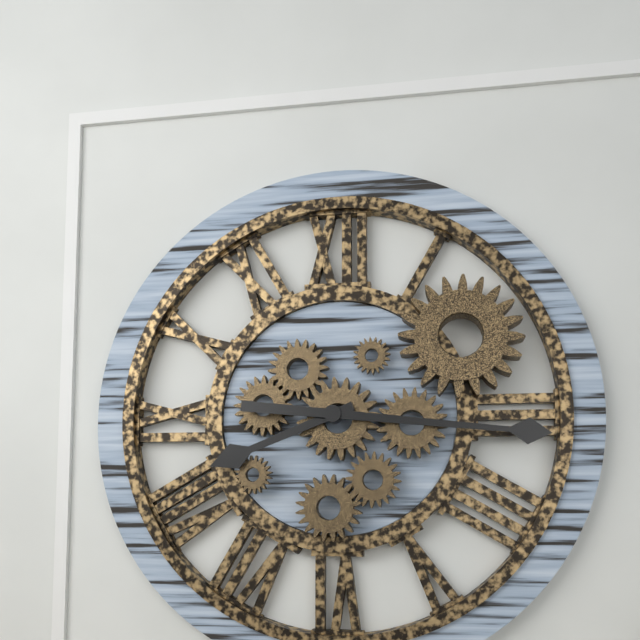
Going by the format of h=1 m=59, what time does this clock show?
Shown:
h=8 m=16
